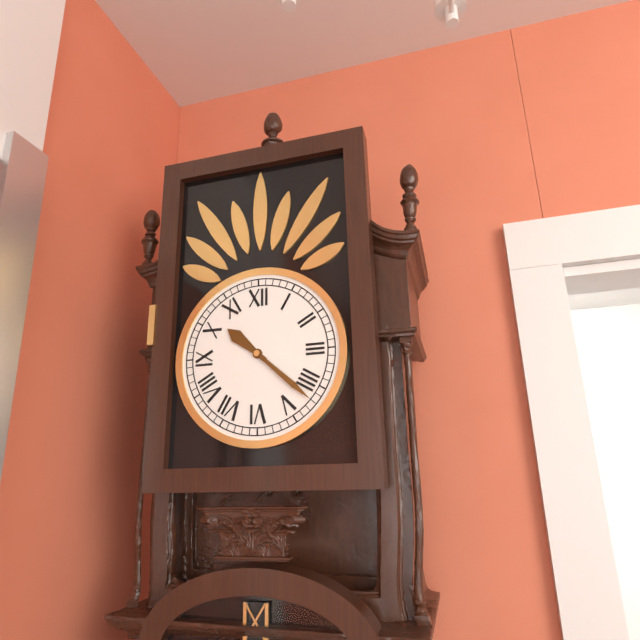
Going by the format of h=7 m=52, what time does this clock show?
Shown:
h=10 m=22
